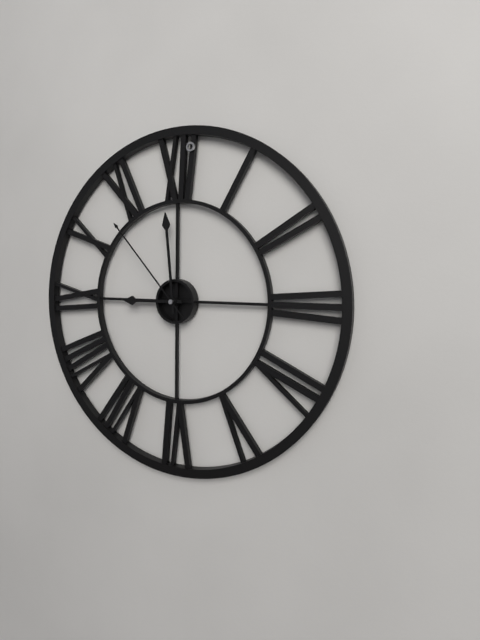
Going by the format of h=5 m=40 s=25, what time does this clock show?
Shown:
h=8 m=59 s=53
